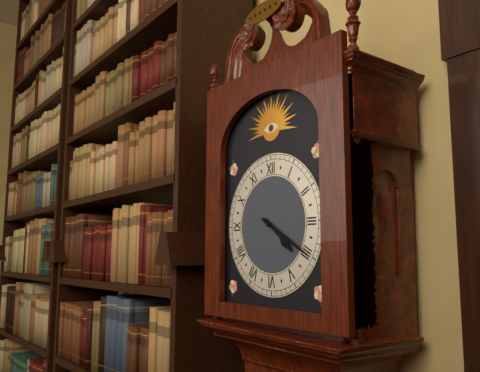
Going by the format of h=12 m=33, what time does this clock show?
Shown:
h=4 m=20
